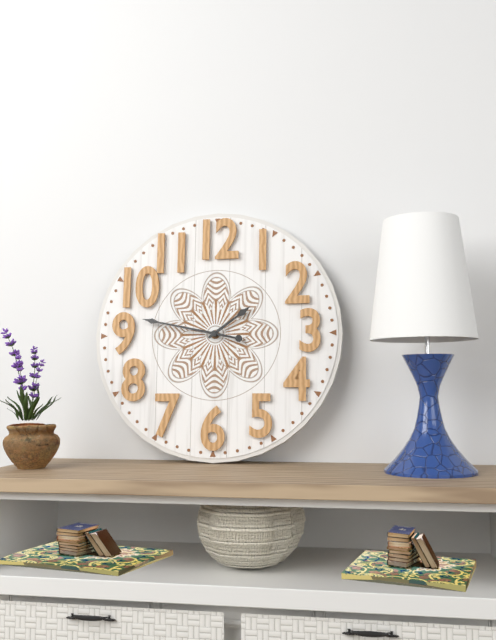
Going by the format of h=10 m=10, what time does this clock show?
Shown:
h=1 m=47
